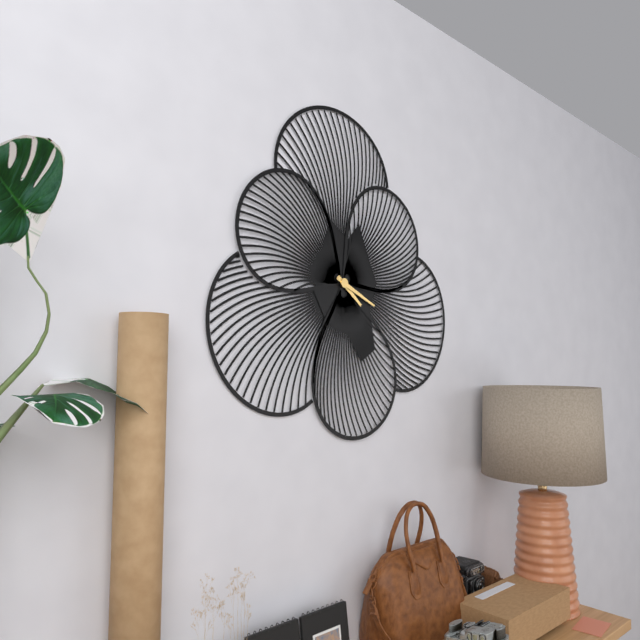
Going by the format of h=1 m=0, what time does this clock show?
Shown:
h=4 m=19
